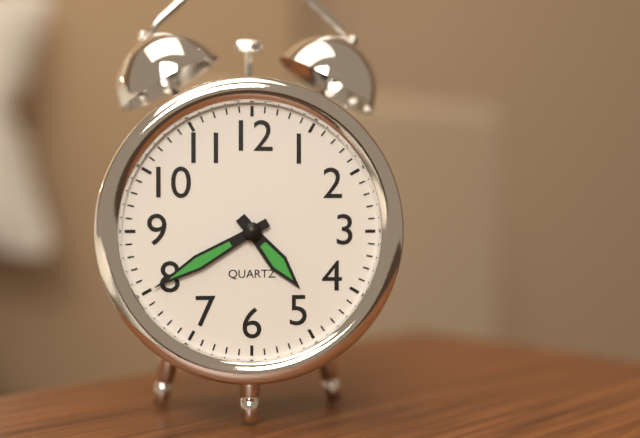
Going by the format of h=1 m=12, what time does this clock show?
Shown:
h=4 m=40
